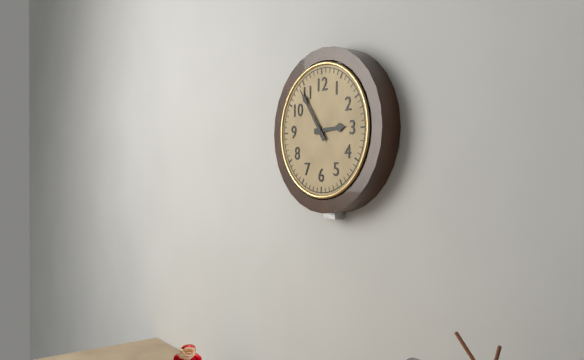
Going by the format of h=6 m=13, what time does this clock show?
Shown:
h=2 m=54
